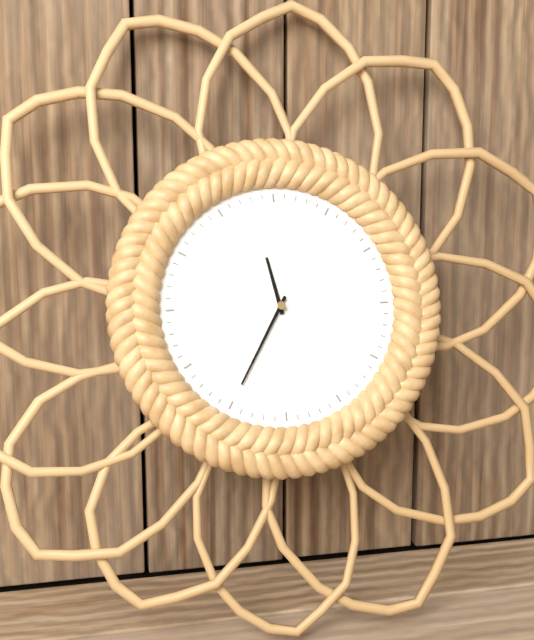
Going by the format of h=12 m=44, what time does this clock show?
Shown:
h=11 m=35
